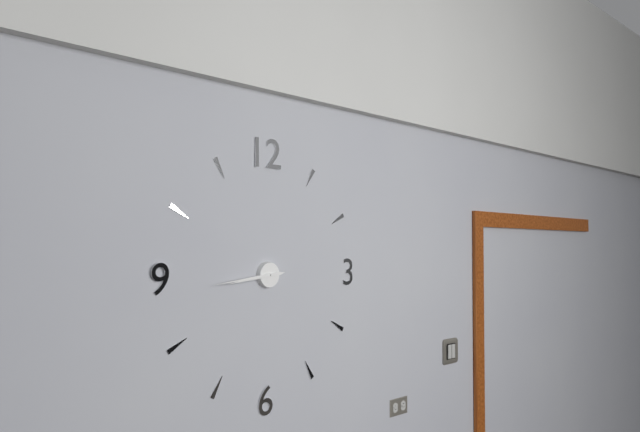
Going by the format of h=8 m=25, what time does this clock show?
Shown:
h=8 m=44
